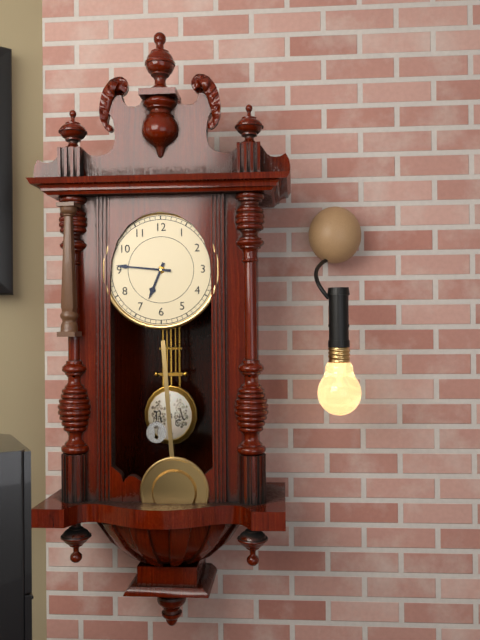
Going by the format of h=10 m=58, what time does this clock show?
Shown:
h=6 m=46
